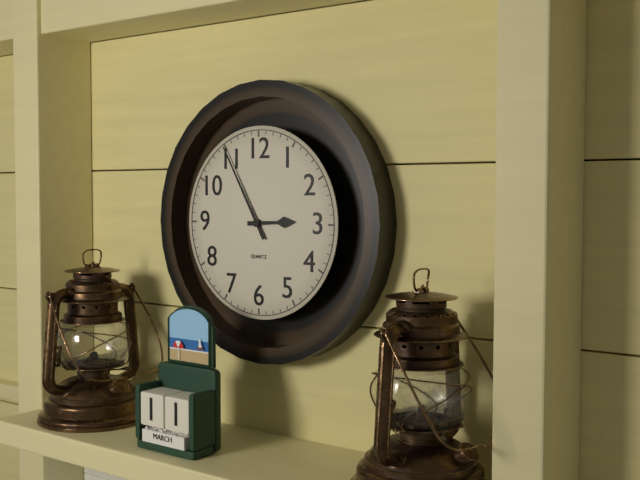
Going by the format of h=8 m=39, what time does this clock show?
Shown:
h=2 m=55
